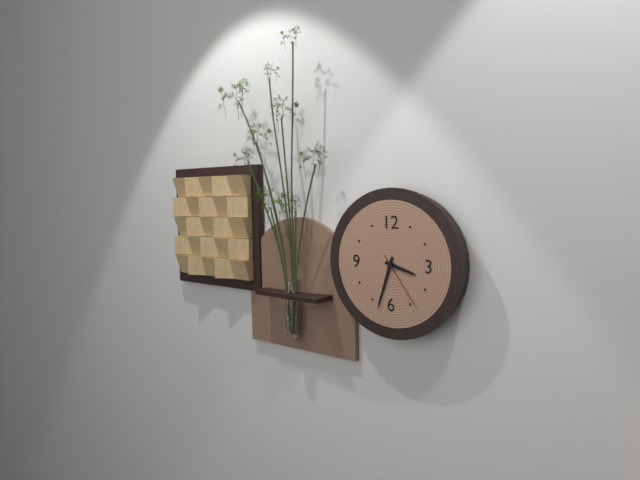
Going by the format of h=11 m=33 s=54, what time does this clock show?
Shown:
h=3 m=33 s=24
